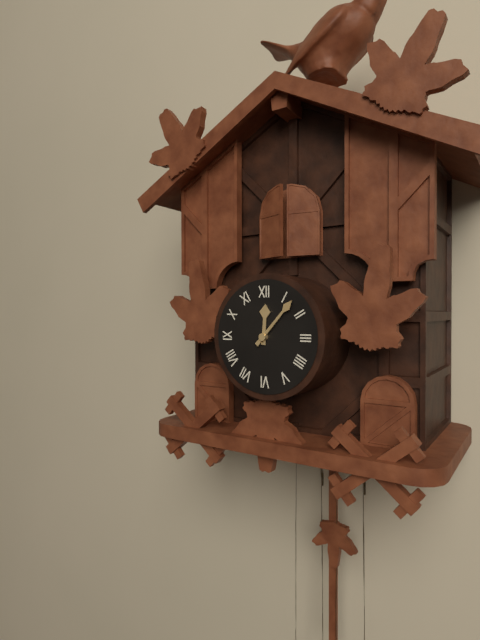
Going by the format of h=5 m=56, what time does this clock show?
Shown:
h=12 m=7
